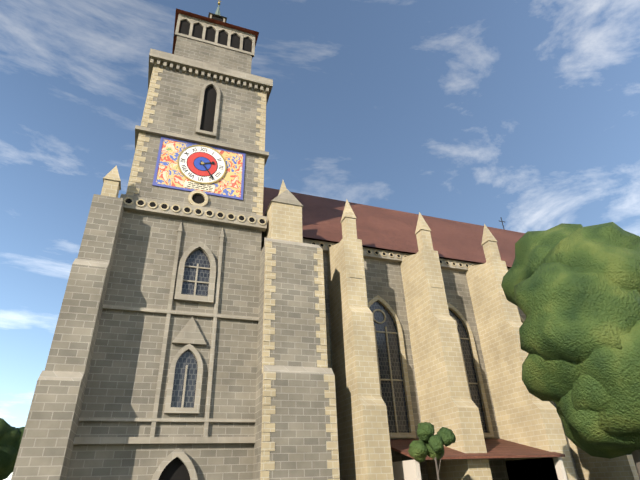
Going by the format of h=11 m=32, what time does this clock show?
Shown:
h=2 m=24
